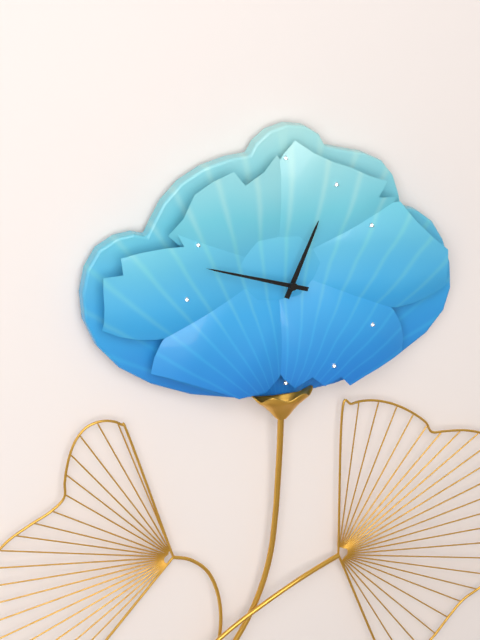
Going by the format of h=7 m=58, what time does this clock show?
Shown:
h=12 m=48
